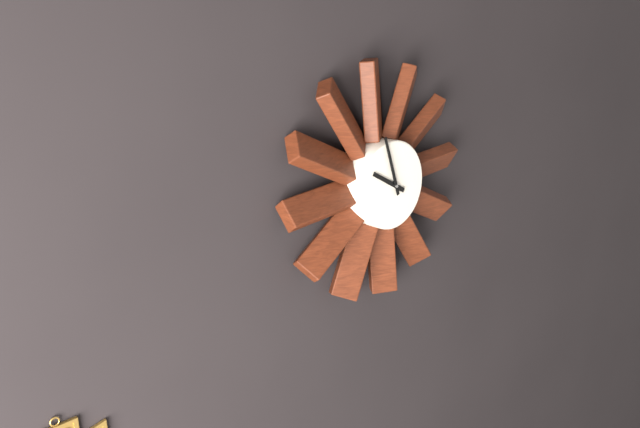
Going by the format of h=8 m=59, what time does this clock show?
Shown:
h=9 m=57
